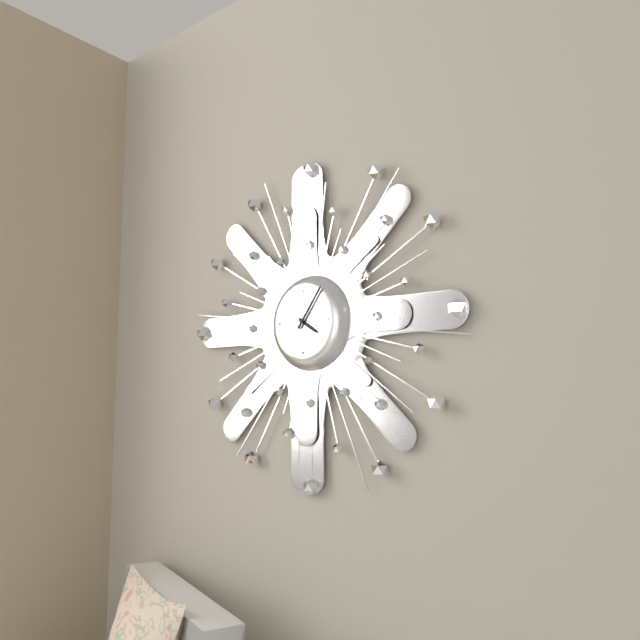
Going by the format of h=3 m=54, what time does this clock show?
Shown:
h=4 m=6
